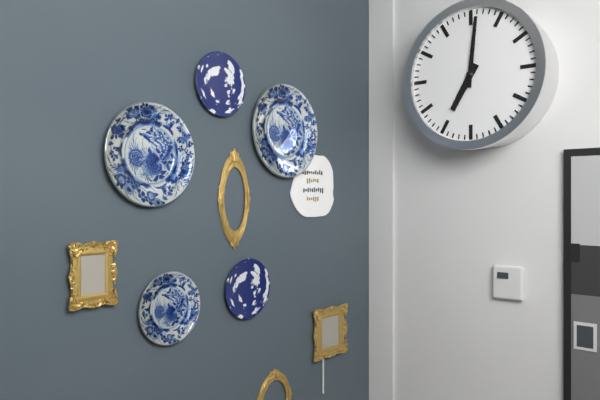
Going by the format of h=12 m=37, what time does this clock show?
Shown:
h=7 m=1
